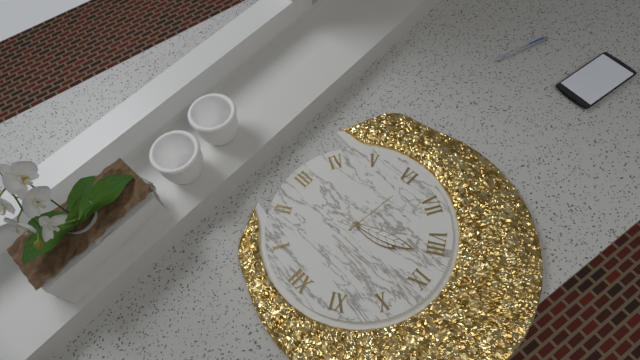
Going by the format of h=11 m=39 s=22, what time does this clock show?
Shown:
h=8 m=42 s=31
